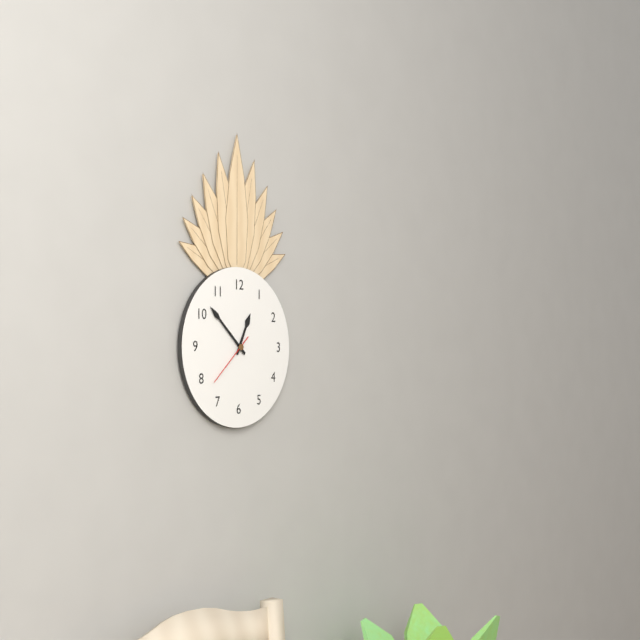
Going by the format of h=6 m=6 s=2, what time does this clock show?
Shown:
h=12 m=52 s=38
